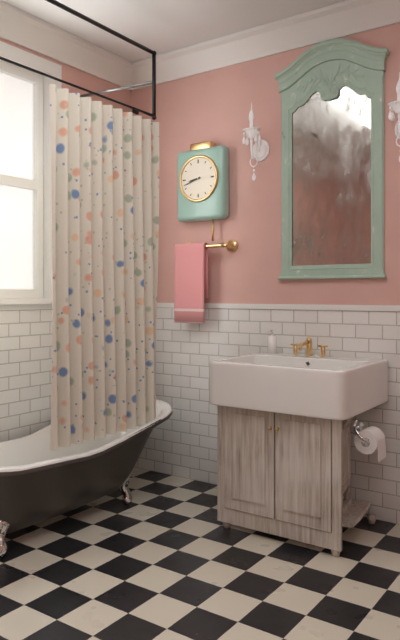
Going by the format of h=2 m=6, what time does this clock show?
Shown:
h=8 m=42
